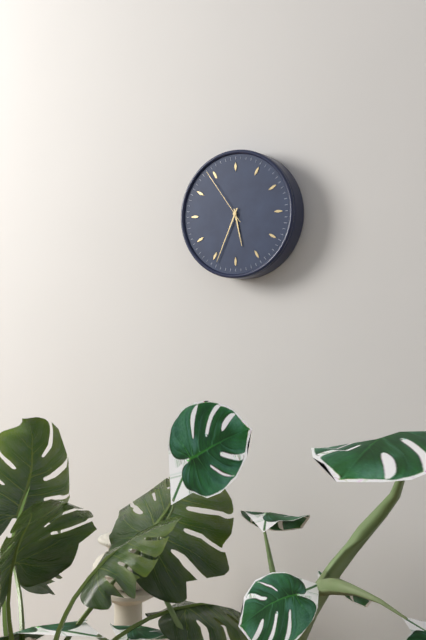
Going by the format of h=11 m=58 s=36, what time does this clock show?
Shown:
h=5 m=34 s=54
